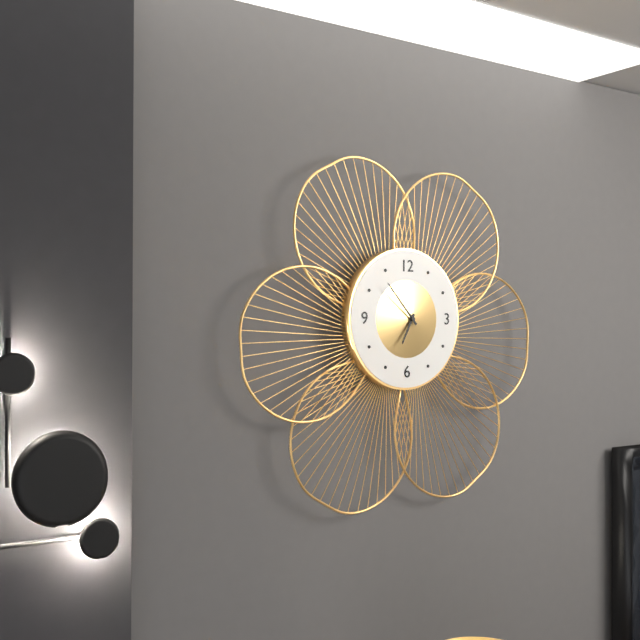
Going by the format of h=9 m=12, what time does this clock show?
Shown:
h=6 m=53
